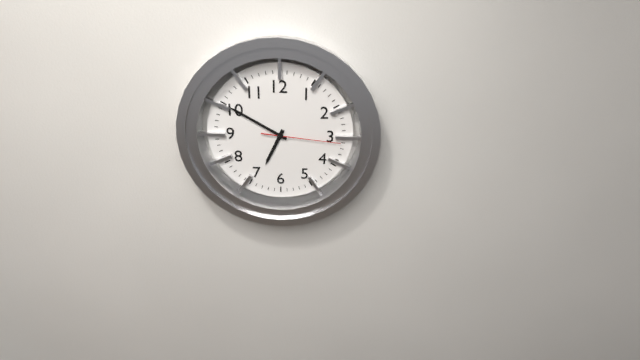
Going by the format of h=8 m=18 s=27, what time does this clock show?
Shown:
h=6 m=50 s=16
